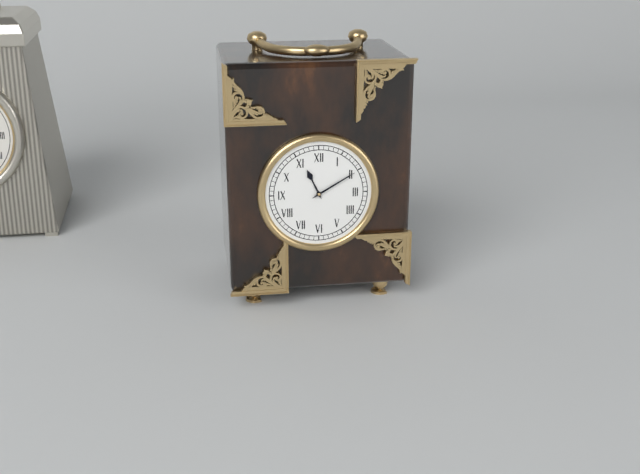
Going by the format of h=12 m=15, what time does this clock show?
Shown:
h=11 m=10
